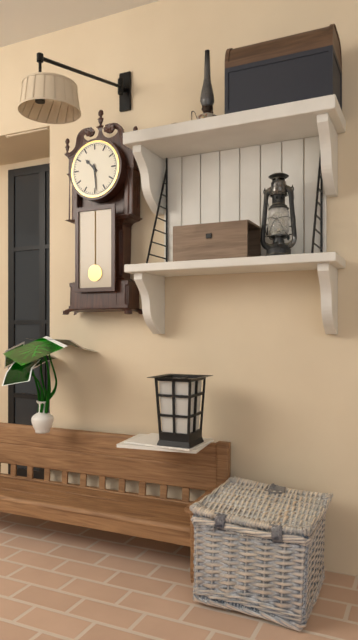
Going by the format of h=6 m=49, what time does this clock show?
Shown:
h=10 m=29
